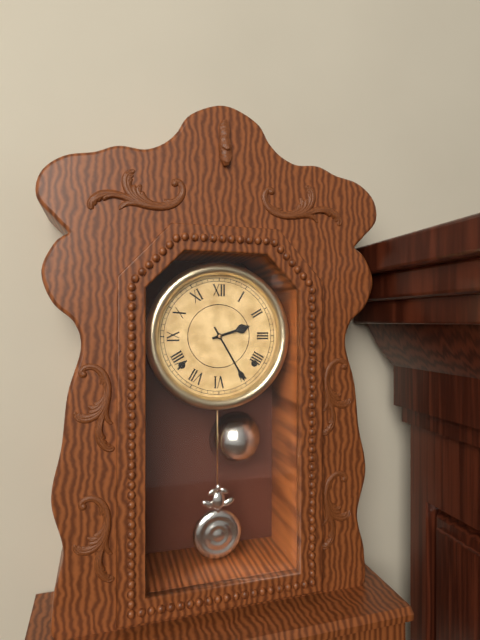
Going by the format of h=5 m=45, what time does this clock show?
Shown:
h=2 m=25
